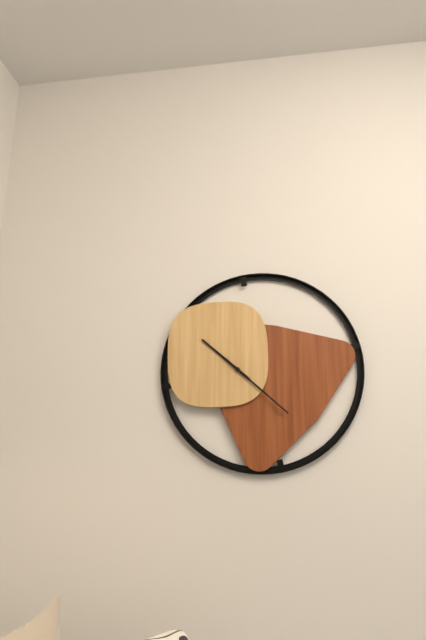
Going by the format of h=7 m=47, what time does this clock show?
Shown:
h=10 m=22
